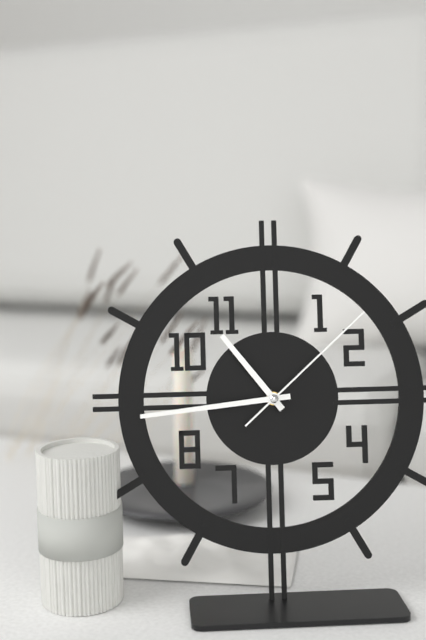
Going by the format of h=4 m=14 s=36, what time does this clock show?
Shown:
h=10 m=44 s=8
